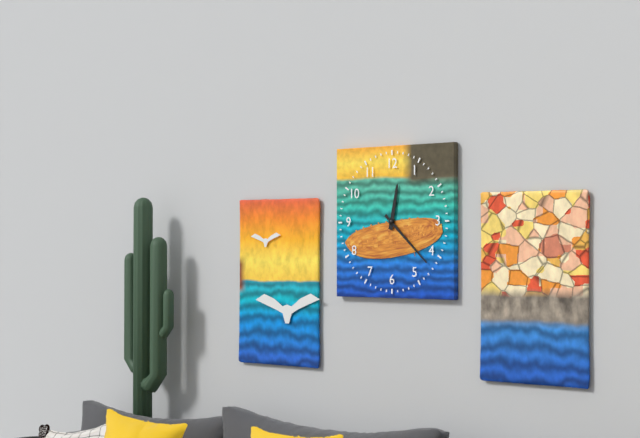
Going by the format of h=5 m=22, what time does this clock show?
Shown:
h=12 m=22
